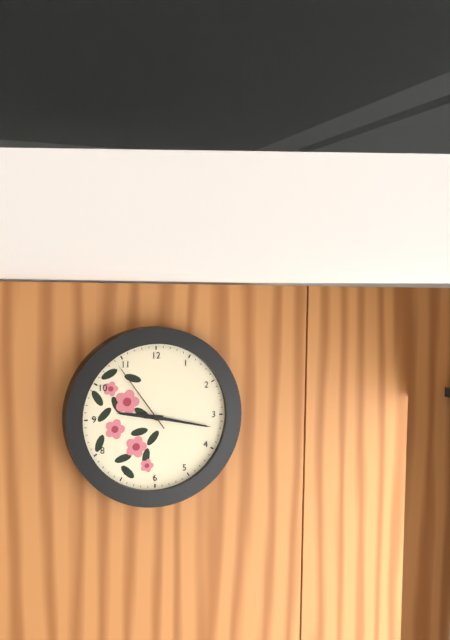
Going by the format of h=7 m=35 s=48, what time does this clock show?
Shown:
h=9 m=17 s=54
